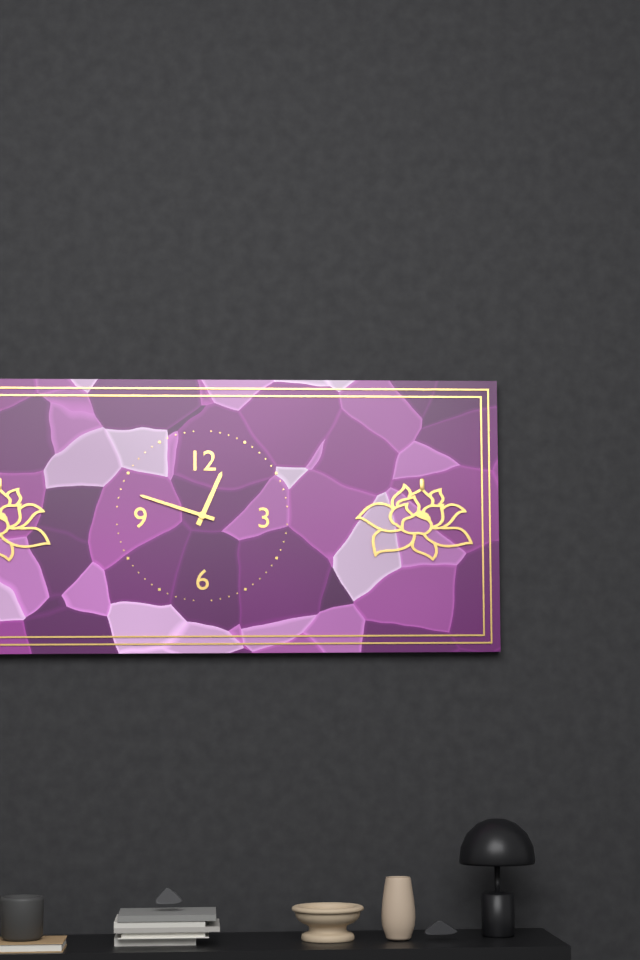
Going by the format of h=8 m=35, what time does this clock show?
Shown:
h=12 m=48
